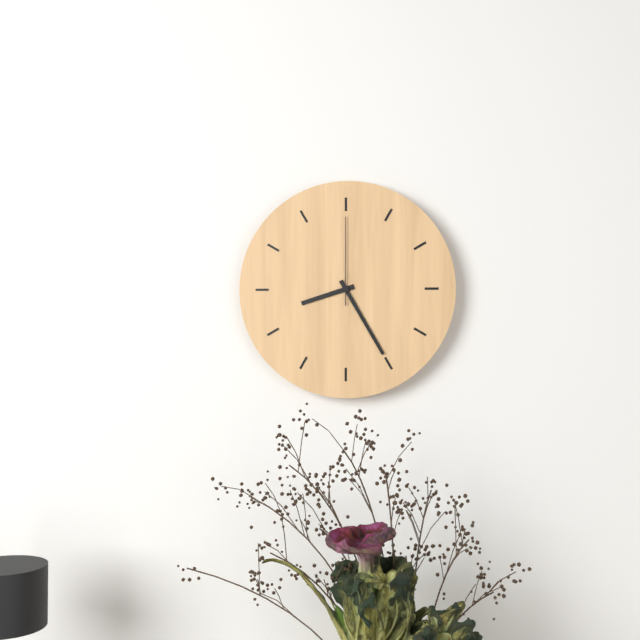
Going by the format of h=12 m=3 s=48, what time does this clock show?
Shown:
h=8 m=25 s=0
